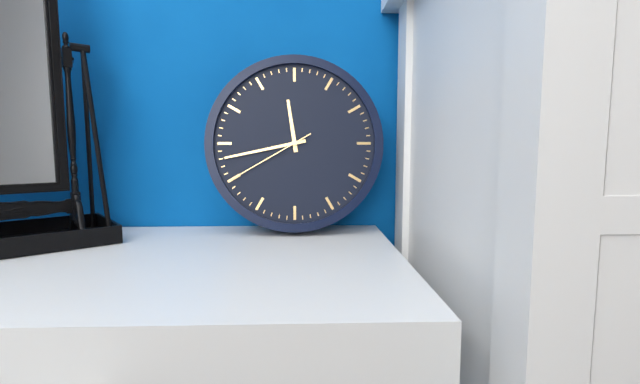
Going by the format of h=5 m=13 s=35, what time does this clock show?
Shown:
h=11 m=43 s=40
